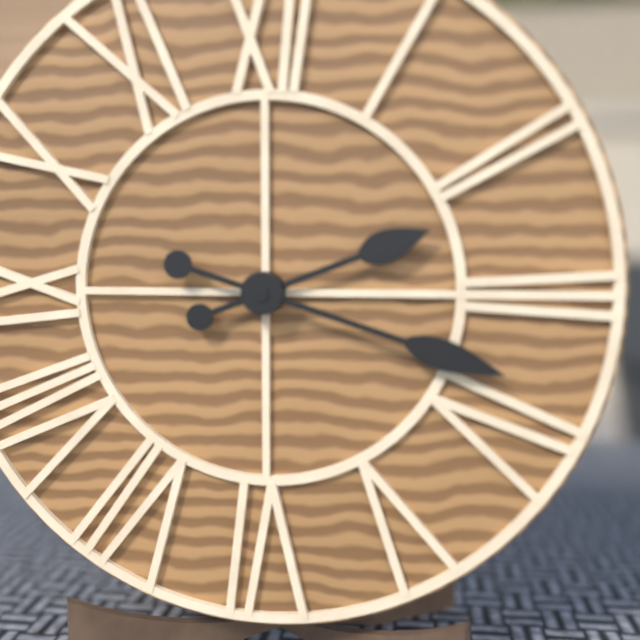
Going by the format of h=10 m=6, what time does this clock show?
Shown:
h=2 m=18
